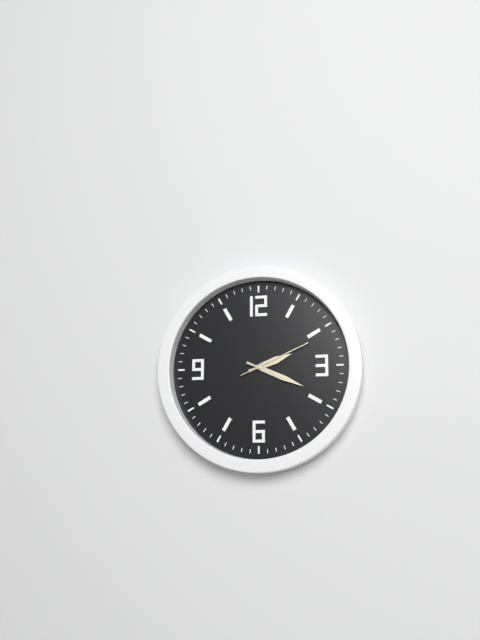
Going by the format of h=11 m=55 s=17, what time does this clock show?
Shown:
h=2 m=19 s=11
